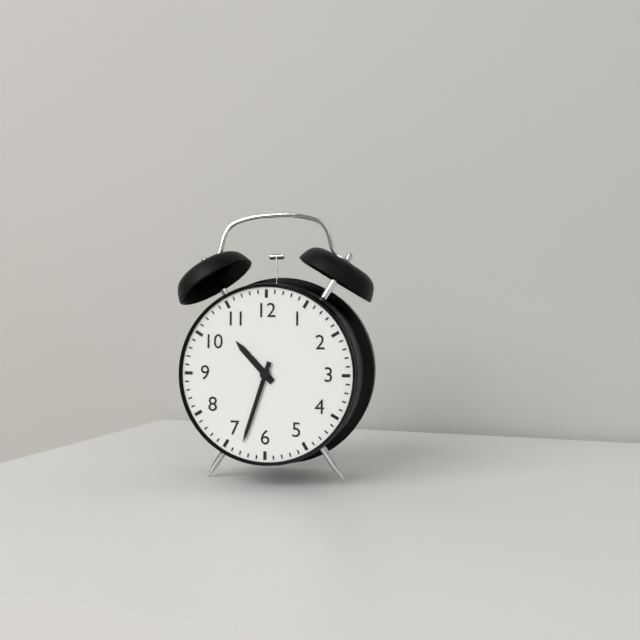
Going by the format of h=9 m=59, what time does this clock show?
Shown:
h=10 m=33
